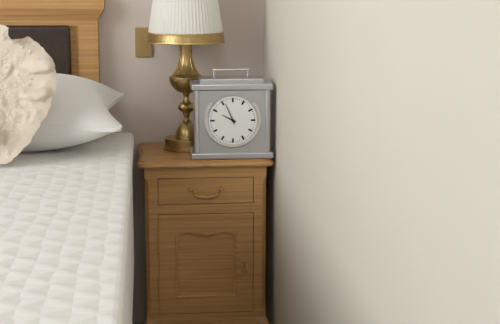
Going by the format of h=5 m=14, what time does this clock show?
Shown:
h=9 m=56
